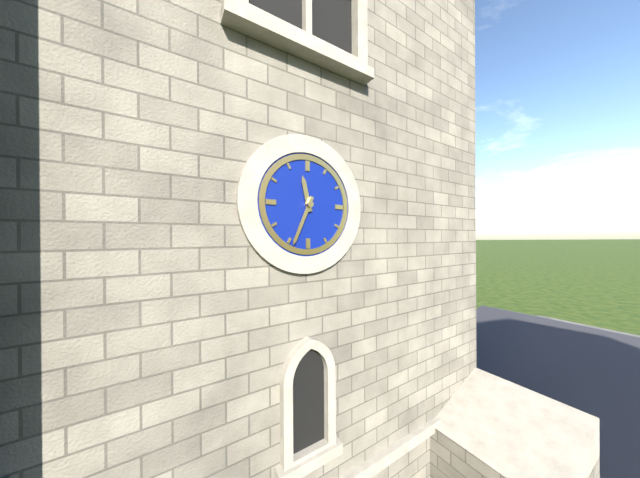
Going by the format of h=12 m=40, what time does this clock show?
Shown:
h=11 m=34
